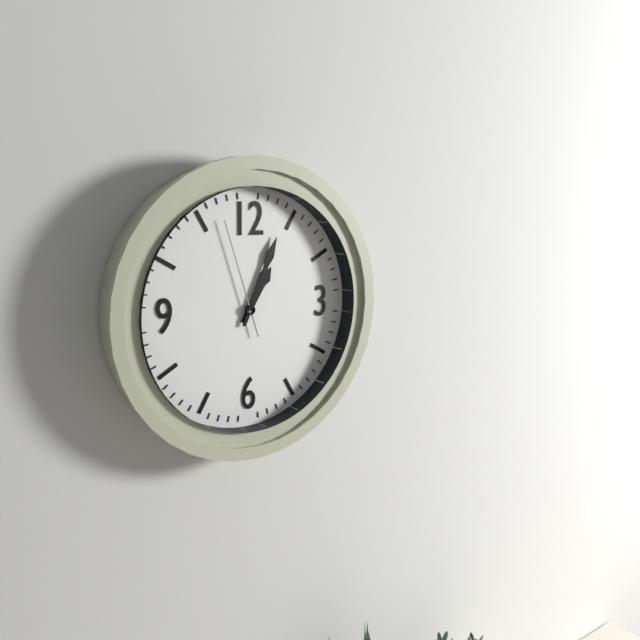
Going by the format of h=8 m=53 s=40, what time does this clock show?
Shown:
h=1 m=4 s=57
